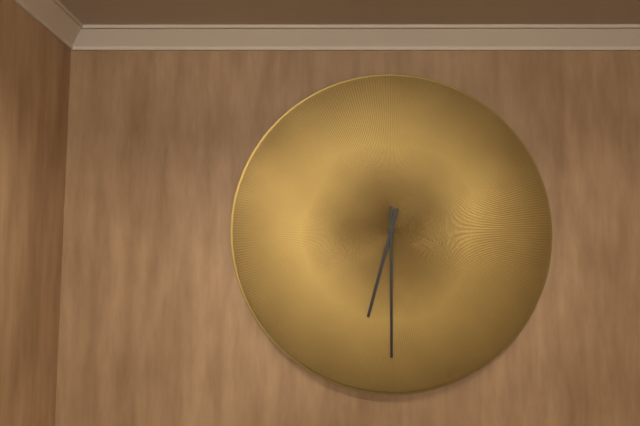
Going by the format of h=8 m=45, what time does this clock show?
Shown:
h=6 m=30
